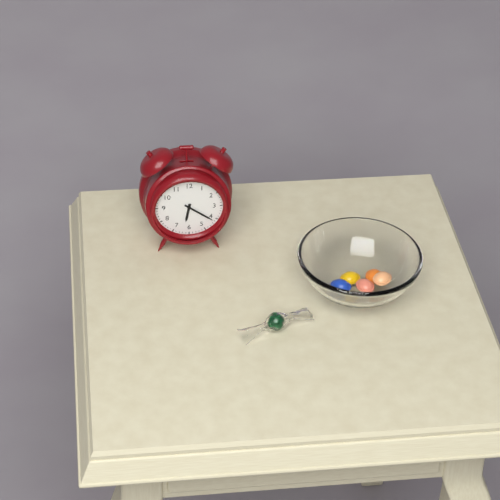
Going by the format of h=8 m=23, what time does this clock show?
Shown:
h=6 m=21
